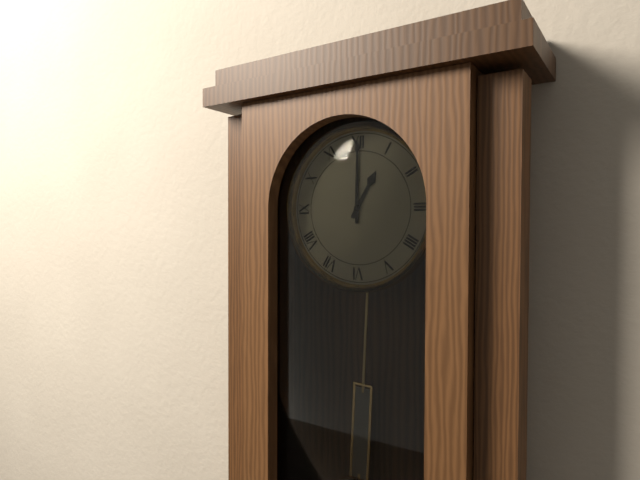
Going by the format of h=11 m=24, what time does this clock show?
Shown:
h=1 m=0
